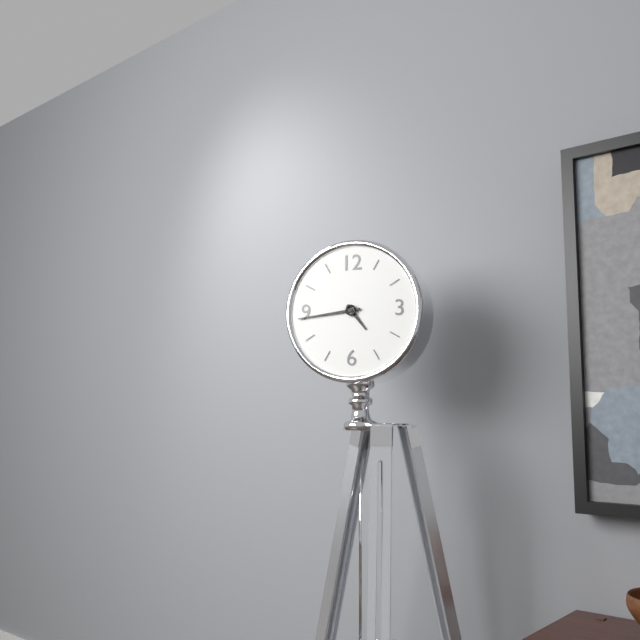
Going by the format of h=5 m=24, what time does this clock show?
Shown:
h=4 m=44
